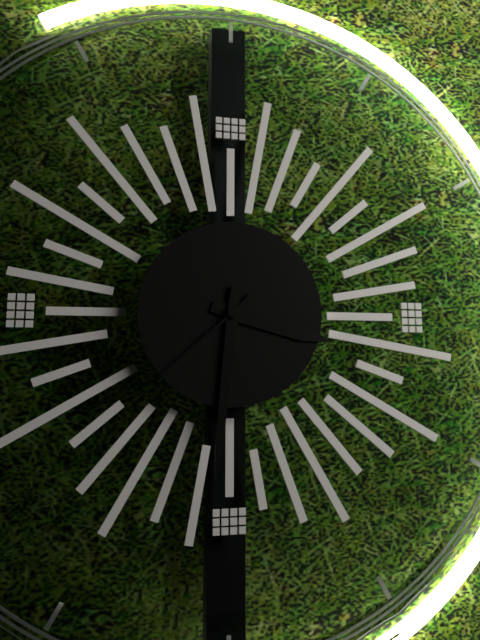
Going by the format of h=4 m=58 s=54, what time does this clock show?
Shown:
h=3 m=31 s=38
